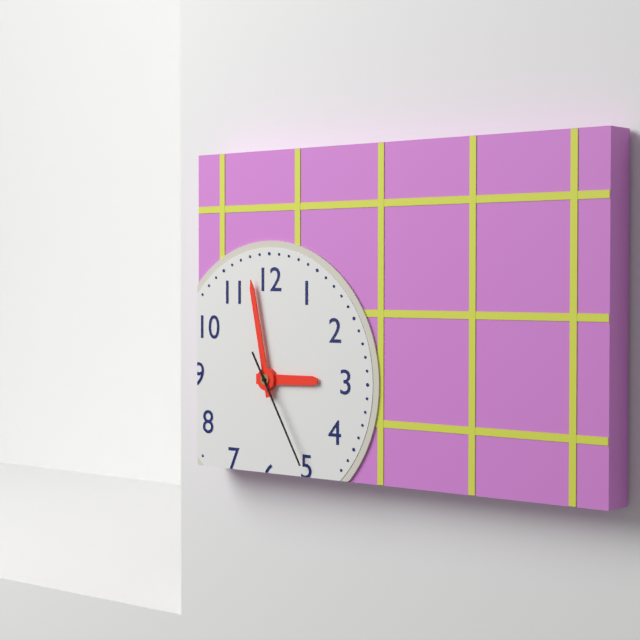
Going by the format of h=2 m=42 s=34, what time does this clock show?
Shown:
h=2 m=58 s=25
